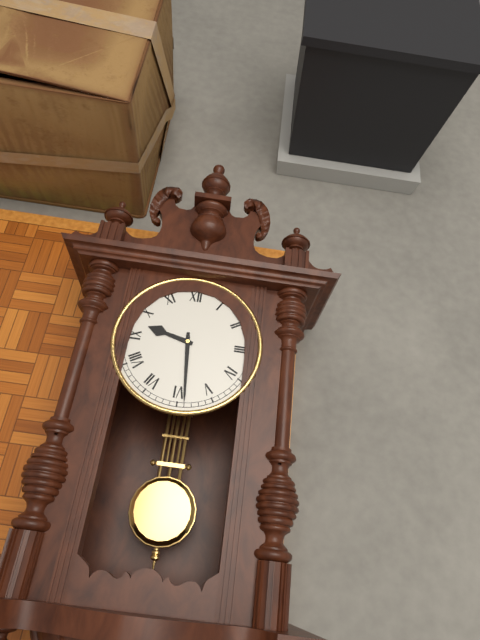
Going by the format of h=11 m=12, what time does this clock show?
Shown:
h=9 m=29
